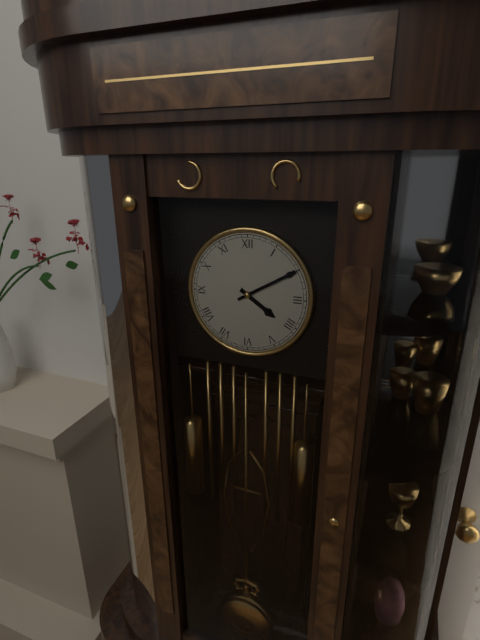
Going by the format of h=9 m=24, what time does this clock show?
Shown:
h=4 m=10
